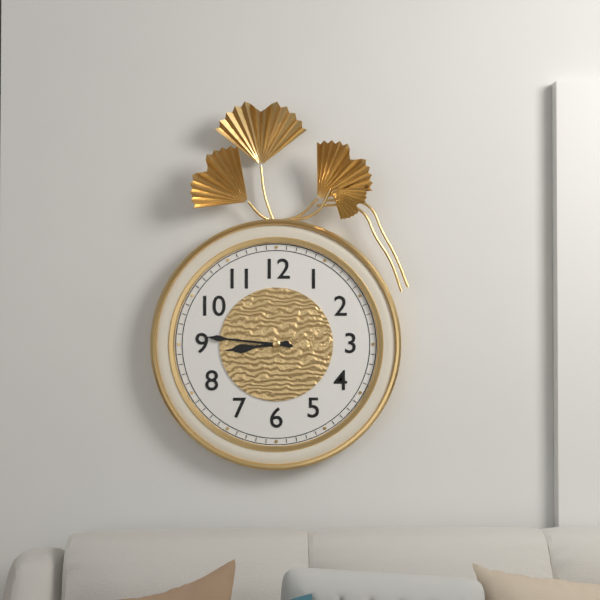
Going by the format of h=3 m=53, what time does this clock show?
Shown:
h=8 m=46
